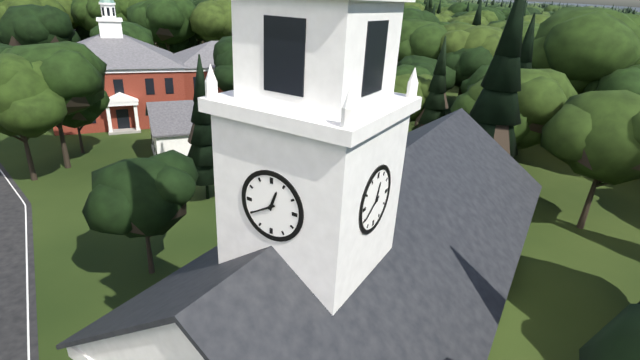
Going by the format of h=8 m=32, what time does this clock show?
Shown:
h=12 m=40
